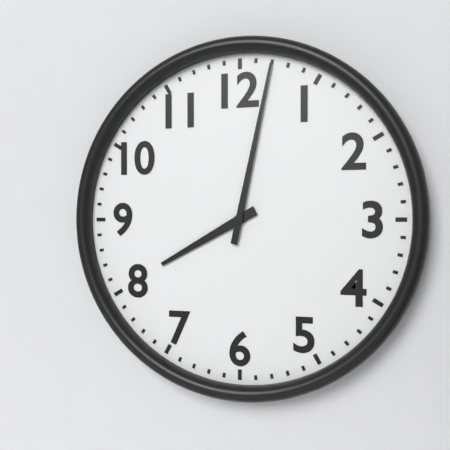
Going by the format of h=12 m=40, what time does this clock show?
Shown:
h=8 m=2
